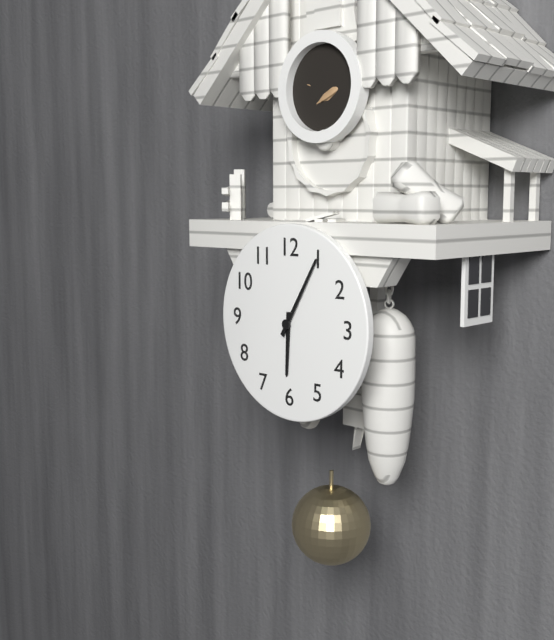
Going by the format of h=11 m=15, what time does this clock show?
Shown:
h=6 m=5
